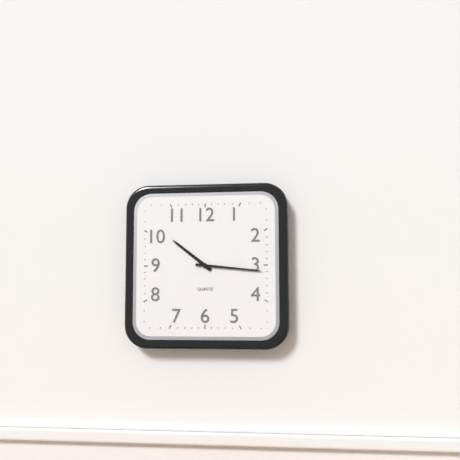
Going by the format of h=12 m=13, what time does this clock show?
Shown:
h=10 m=16
